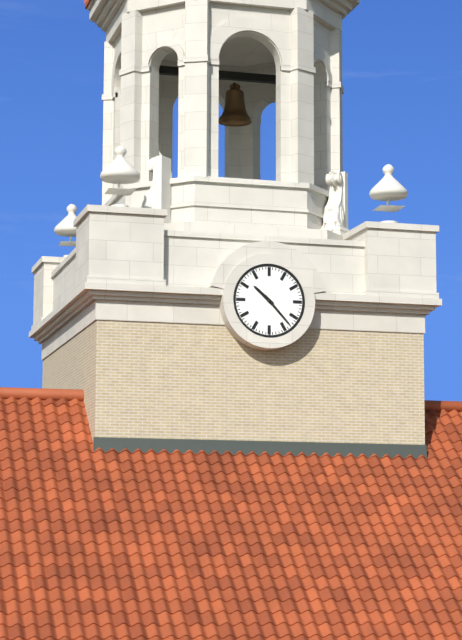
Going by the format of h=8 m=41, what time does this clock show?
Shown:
h=10 m=23
